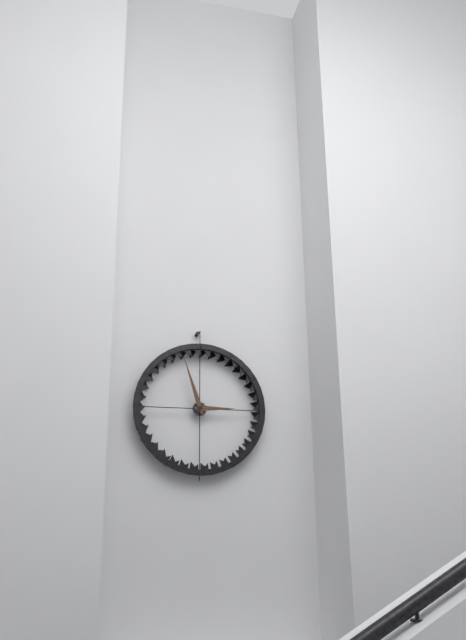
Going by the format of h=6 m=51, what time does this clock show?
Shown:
h=2 m=57
